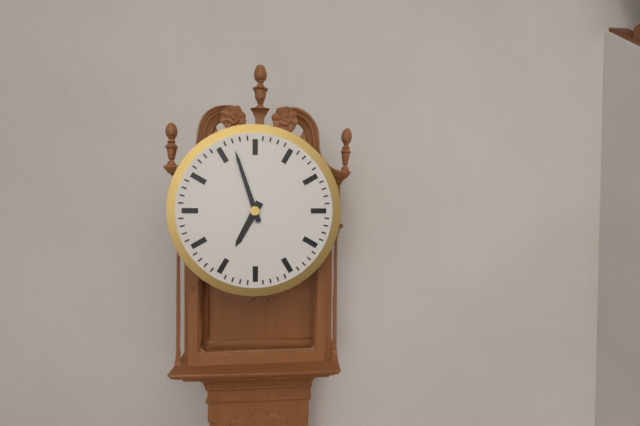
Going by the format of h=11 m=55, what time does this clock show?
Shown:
h=6 m=57
